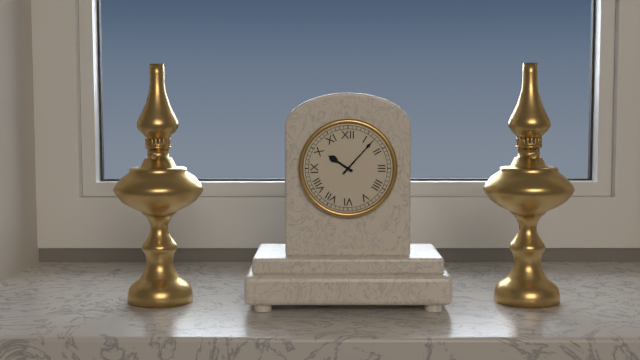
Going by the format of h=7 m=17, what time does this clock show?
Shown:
h=10 m=7
